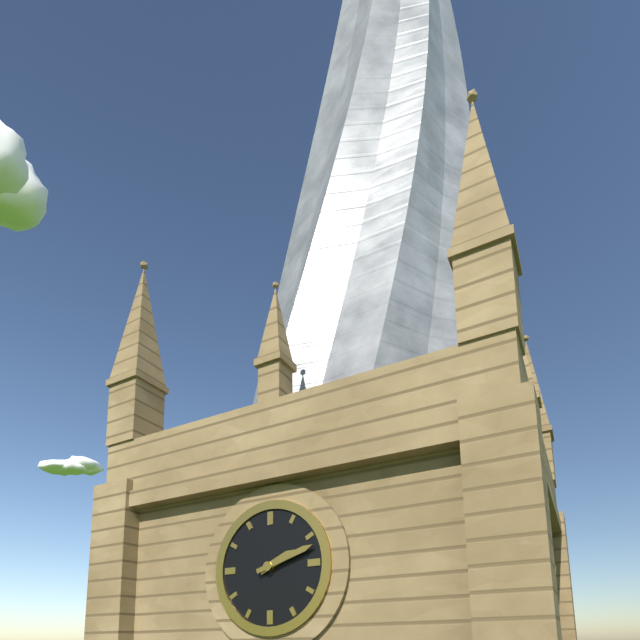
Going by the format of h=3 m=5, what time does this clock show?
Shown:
h=2 m=12
